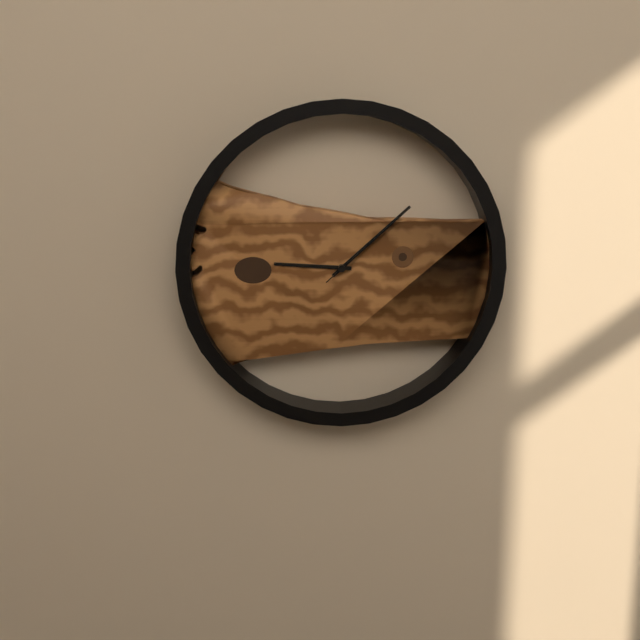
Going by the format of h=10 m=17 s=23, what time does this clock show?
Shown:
h=9 m=8 s=8
